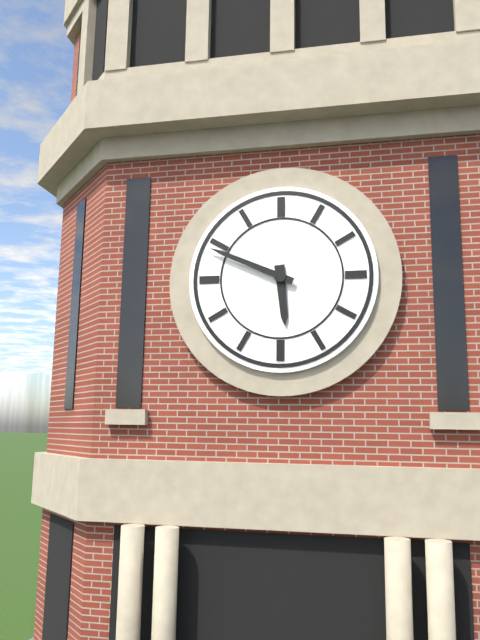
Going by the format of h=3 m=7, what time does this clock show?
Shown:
h=5 m=49
